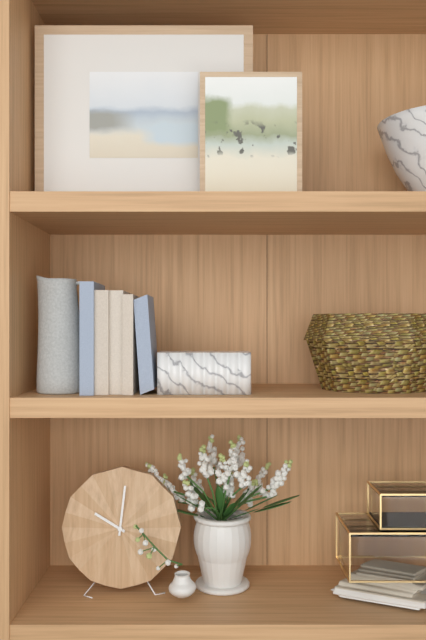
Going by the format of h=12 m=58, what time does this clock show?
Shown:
h=10 m=1
